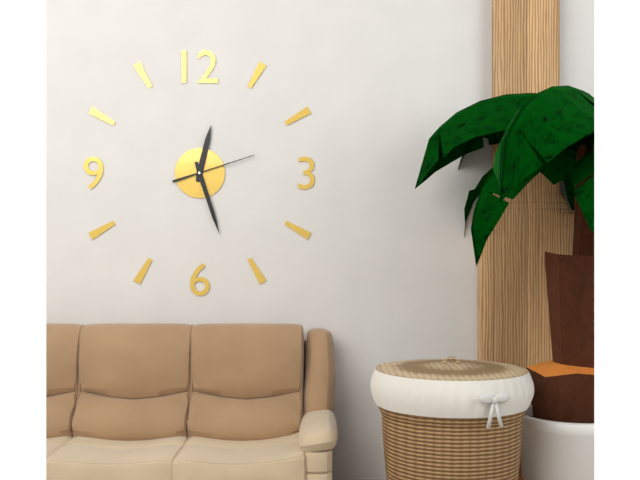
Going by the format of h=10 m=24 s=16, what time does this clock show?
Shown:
h=12 m=27 s=12
